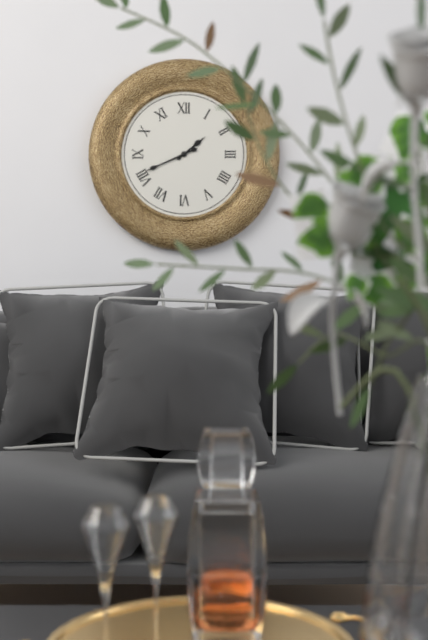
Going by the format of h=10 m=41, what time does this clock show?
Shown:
h=1 m=41
